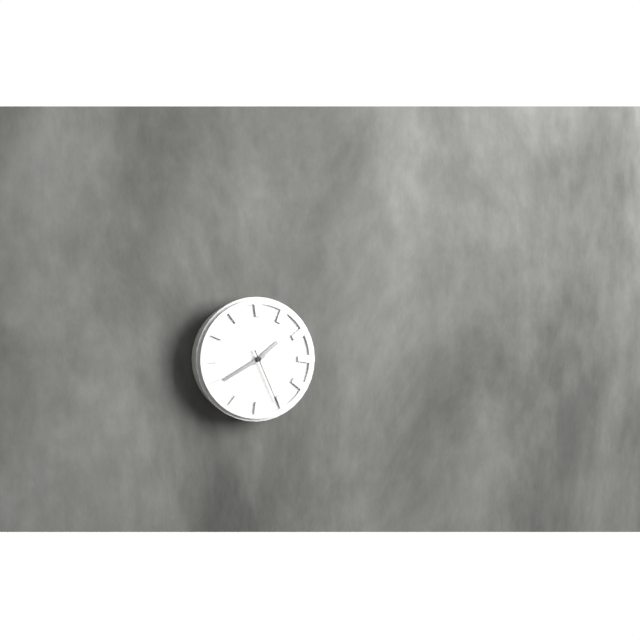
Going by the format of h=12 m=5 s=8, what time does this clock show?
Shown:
h=1 m=40 s=26
